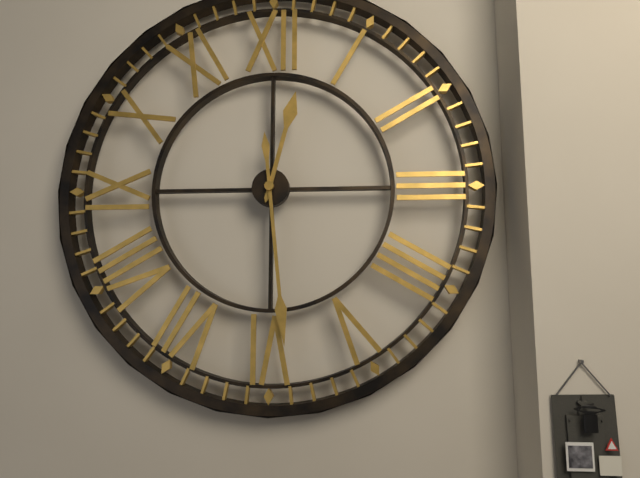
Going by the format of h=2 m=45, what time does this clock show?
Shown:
h=12 m=29
